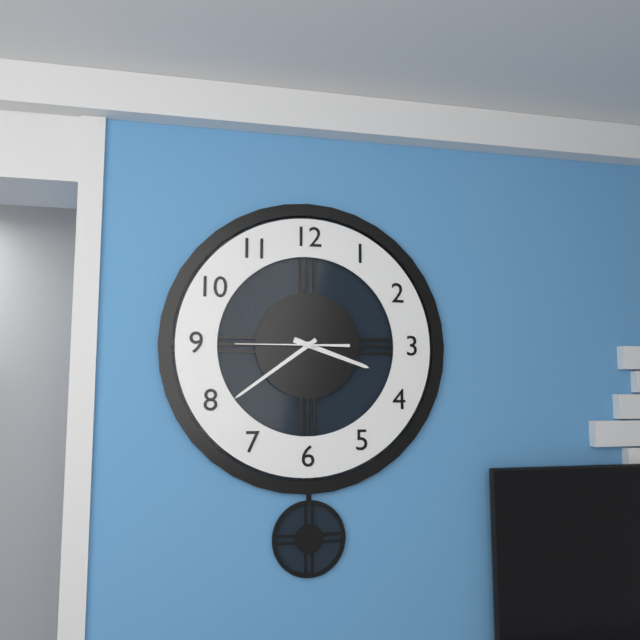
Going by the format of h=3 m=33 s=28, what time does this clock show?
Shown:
h=3 m=39 s=45
